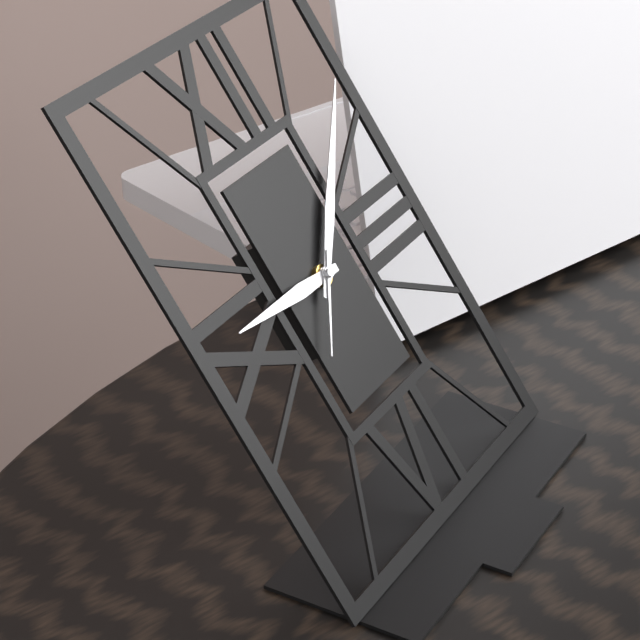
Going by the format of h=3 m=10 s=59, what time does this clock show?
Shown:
h=9 m=8 s=37
